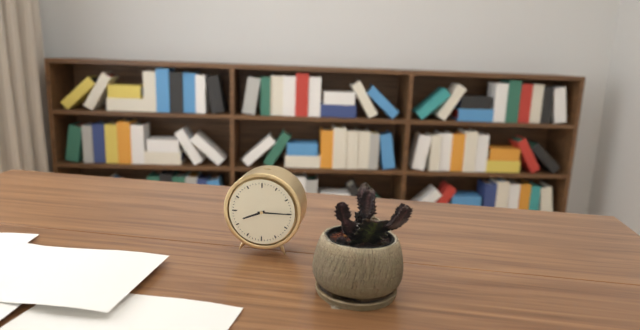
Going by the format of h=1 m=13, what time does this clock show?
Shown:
h=8 m=15
